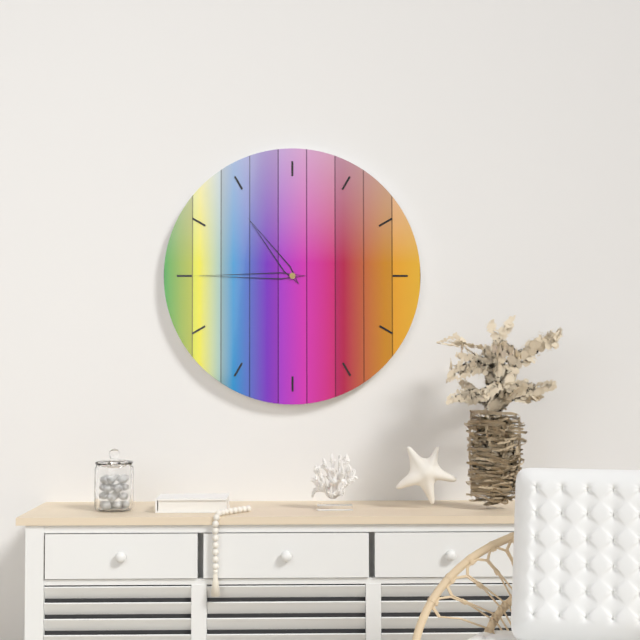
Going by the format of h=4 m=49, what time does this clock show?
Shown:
h=10 m=45
